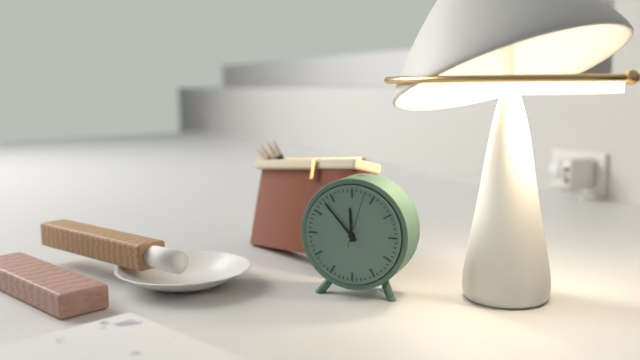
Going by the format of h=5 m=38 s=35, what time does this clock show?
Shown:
h=11 m=53 s=3
